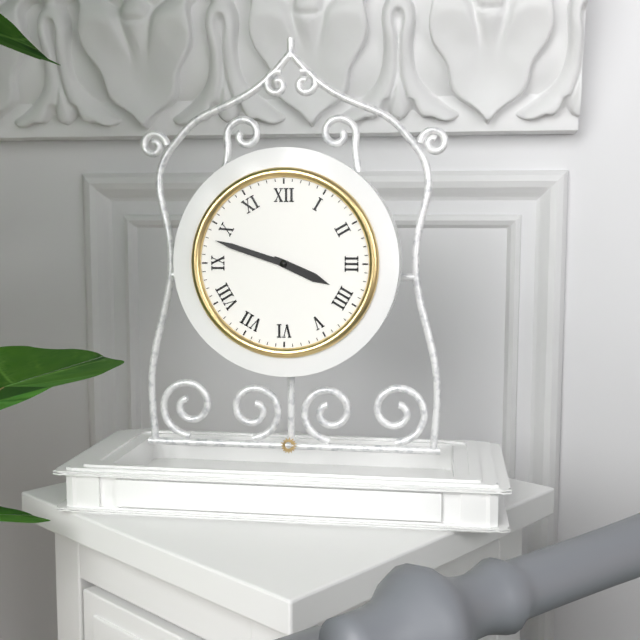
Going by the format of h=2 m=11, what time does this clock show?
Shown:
h=3 m=48
